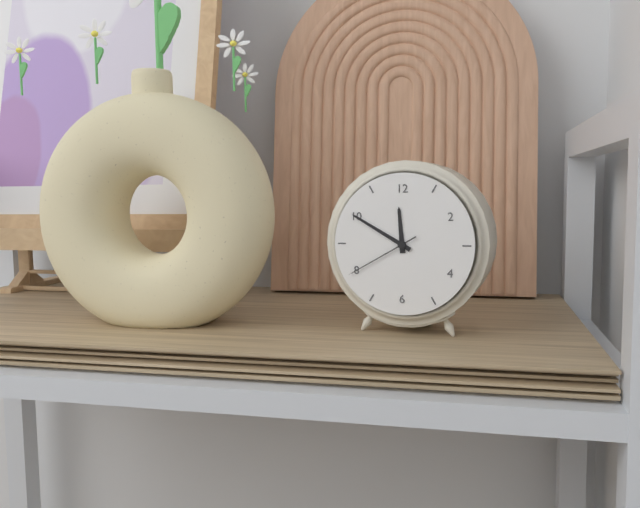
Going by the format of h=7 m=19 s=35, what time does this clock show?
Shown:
h=11 m=50 s=40
